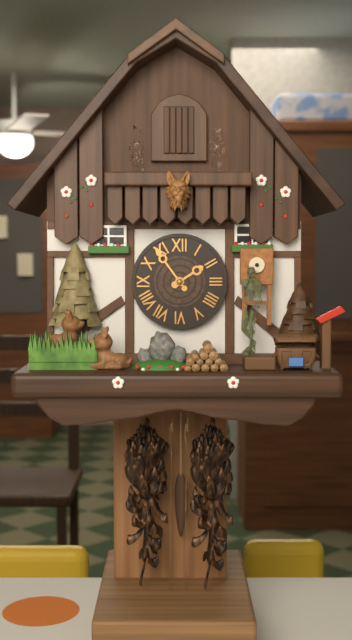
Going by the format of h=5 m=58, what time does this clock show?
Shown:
h=1 m=54
